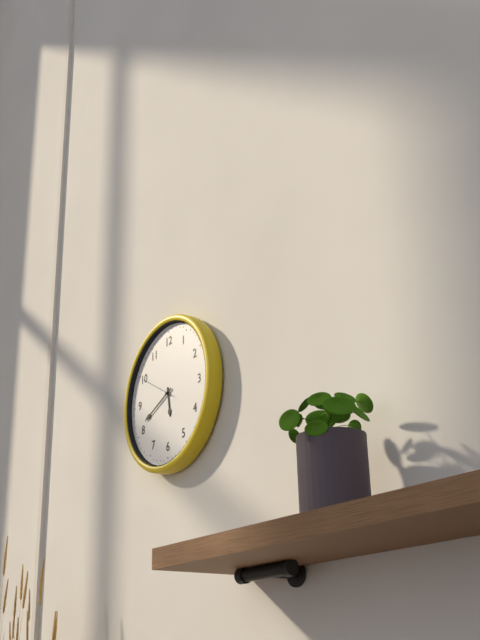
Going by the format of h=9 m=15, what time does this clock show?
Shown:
h=5 m=41
